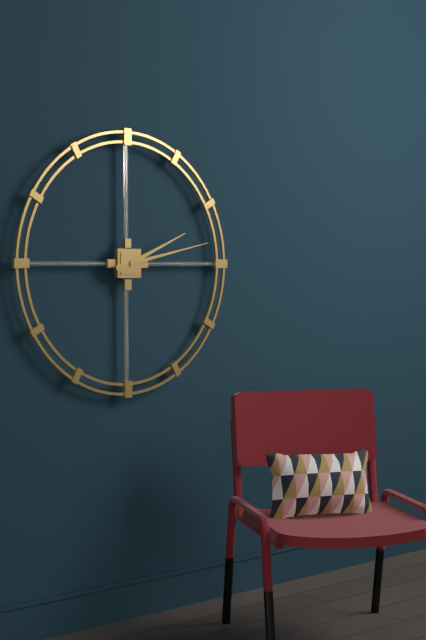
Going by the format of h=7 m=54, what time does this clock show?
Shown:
h=2 m=13
